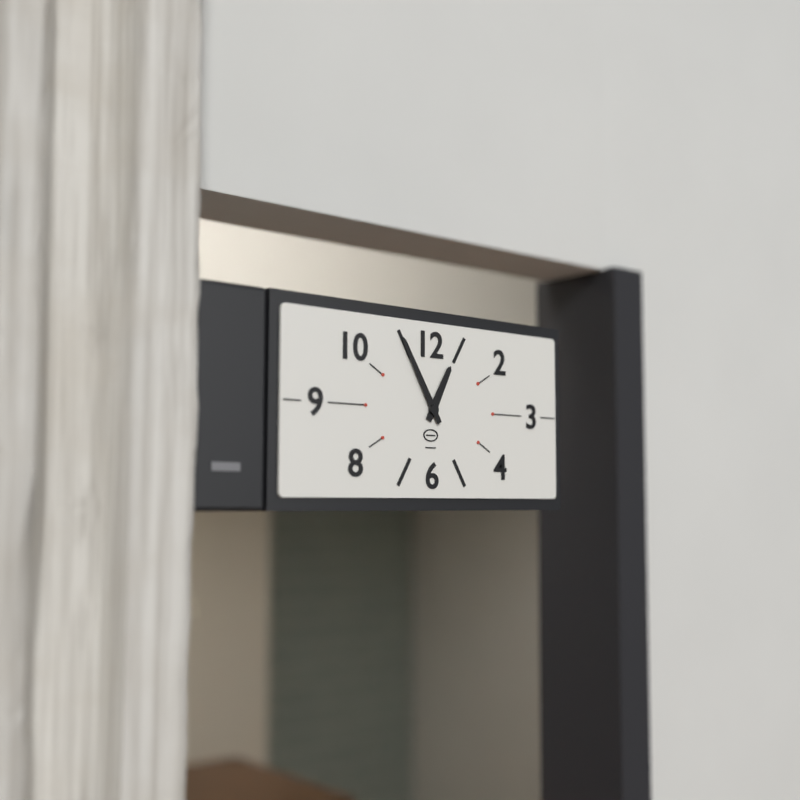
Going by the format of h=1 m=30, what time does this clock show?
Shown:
h=12 m=55
